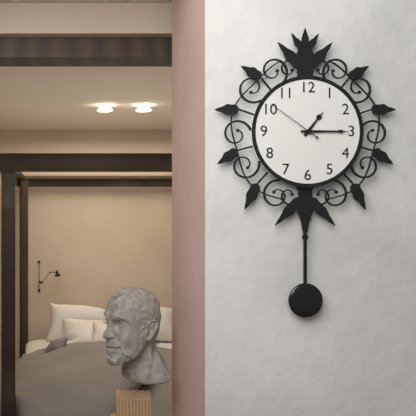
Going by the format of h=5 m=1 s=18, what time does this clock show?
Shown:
h=1 m=15 s=51
